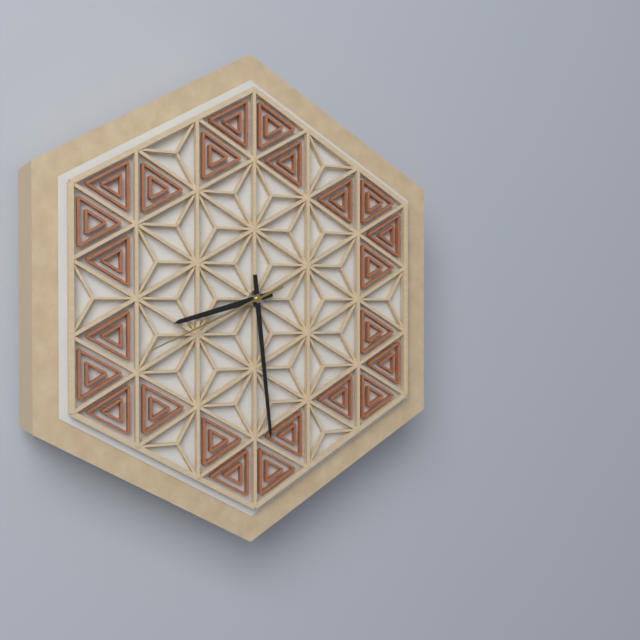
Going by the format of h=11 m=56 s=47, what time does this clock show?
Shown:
h=8 m=29 s=41
